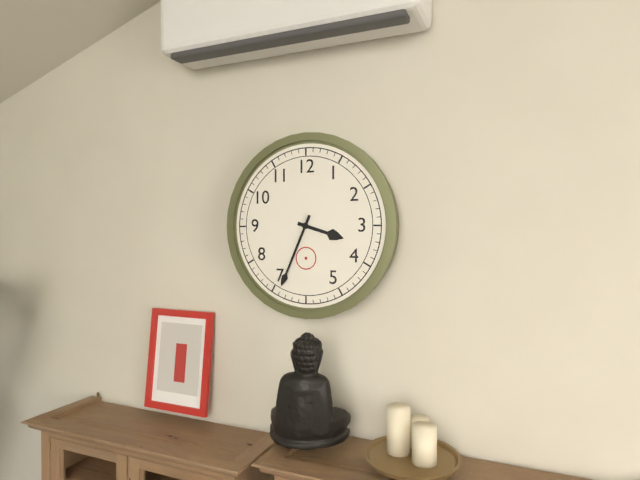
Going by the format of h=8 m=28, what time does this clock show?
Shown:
h=3 m=34
